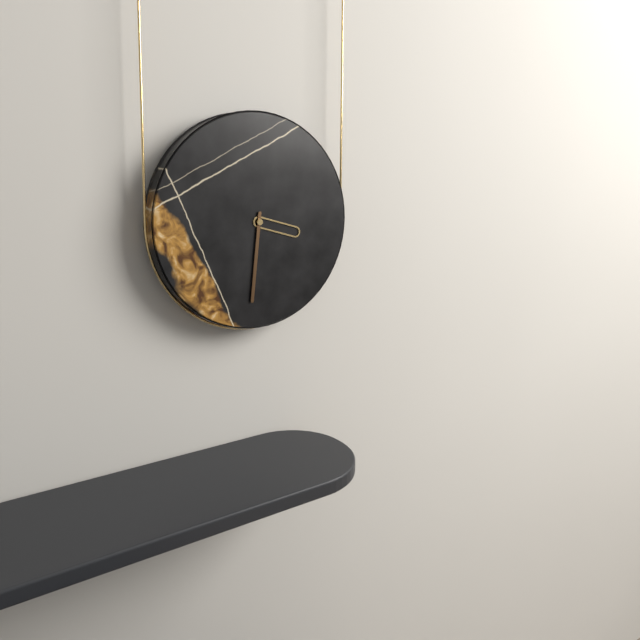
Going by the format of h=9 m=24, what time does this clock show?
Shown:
h=3 m=31
